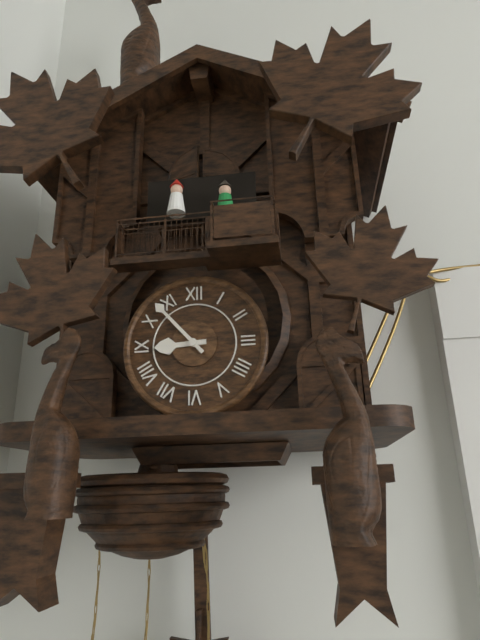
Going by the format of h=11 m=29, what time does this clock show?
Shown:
h=8 m=53
